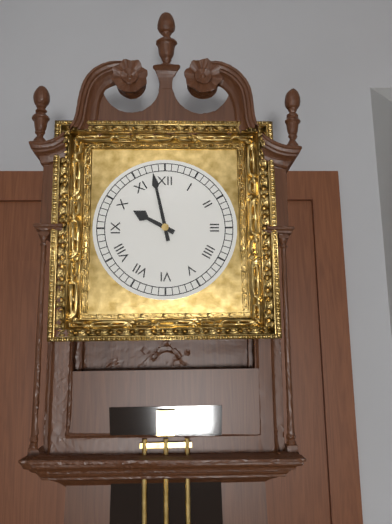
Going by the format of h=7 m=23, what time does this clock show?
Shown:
h=9 m=58
